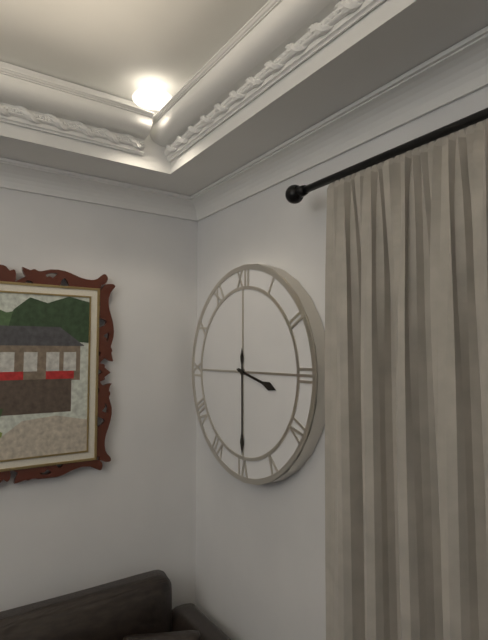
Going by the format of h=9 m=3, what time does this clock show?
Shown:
h=3 m=30
